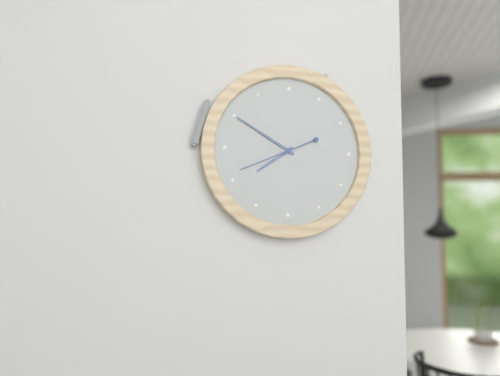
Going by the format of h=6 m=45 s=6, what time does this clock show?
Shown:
h=7 m=50 s=41
